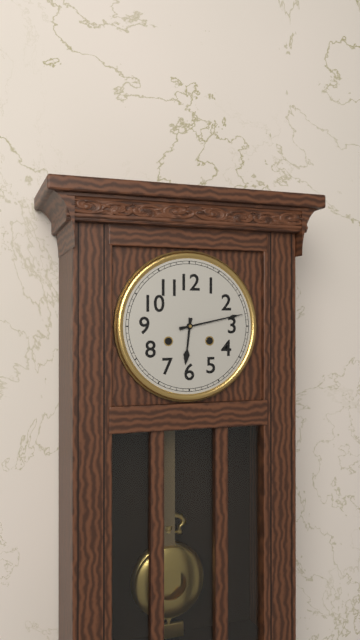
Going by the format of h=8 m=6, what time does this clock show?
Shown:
h=6 m=13
